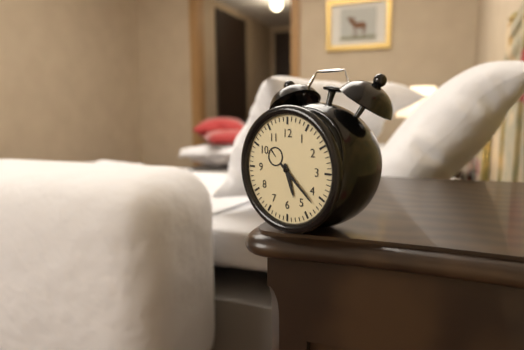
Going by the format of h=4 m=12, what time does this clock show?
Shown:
h=5 m=22
